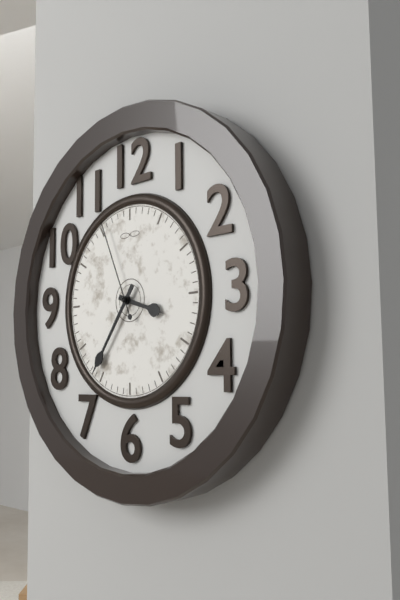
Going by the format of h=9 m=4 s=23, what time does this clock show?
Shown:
h=3 m=36 s=56
